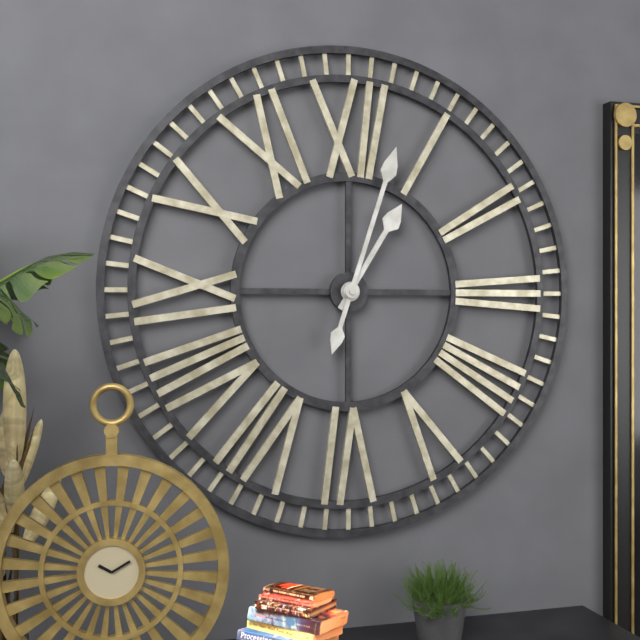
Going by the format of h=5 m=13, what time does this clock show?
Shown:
h=1 m=3
